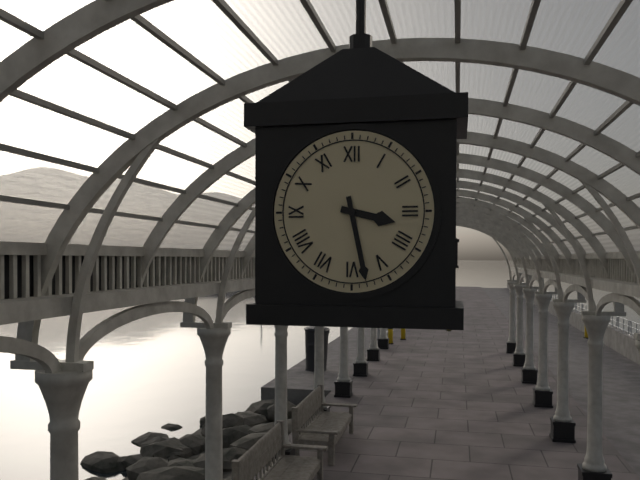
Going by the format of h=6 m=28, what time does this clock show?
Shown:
h=3 m=28
